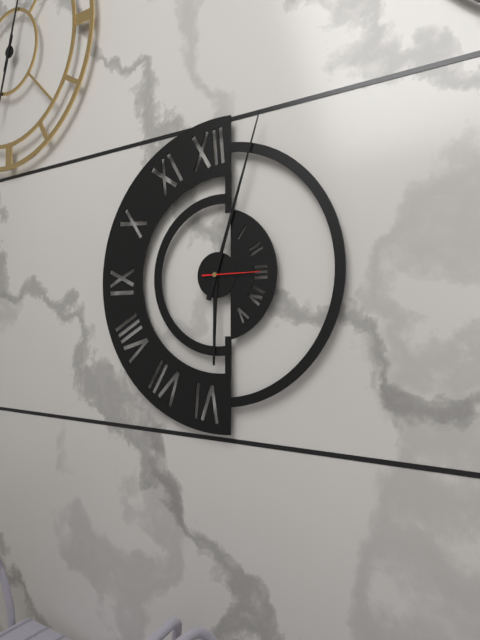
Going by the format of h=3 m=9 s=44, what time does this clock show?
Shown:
h=6 m=3 s=15
